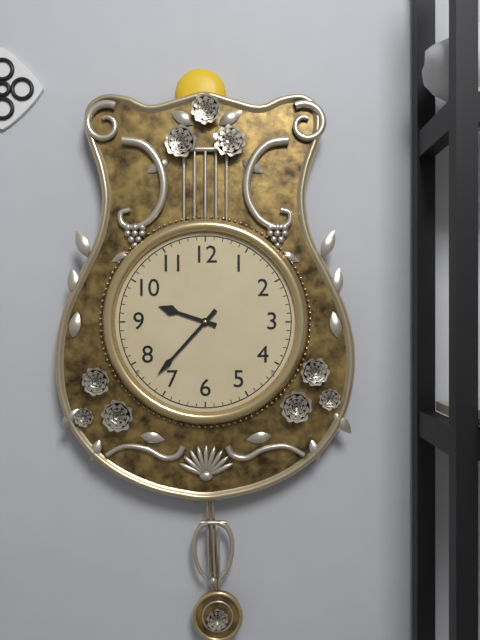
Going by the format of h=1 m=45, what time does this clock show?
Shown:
h=9 m=37
